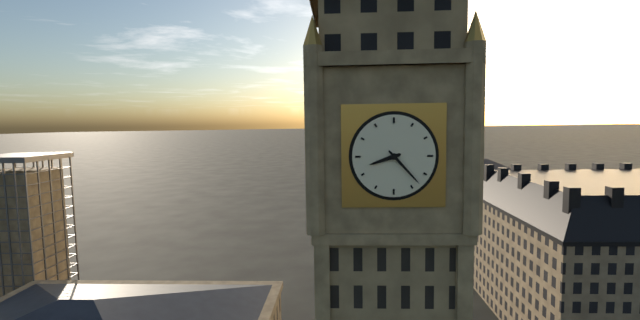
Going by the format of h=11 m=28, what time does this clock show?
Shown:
h=8 m=23
